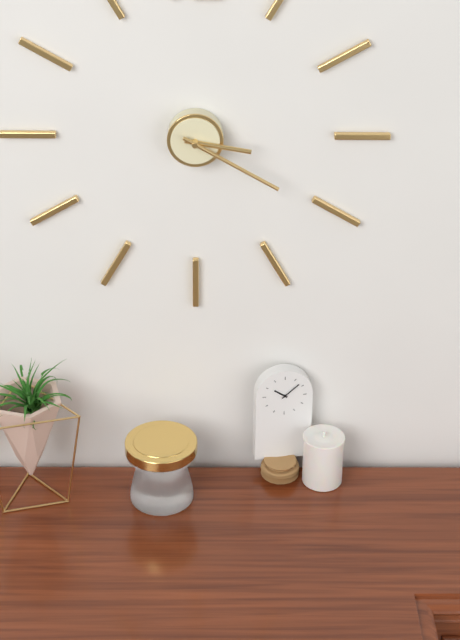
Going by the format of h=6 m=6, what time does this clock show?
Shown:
h=3 m=20
